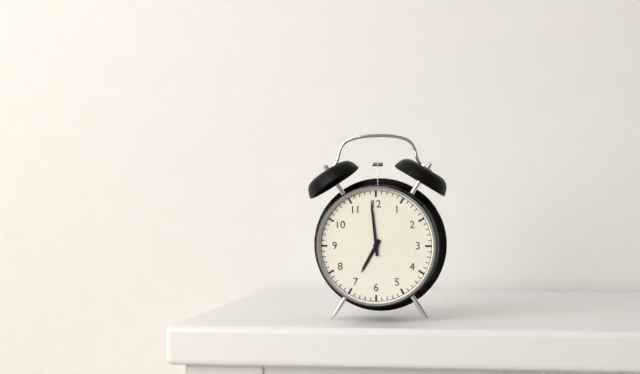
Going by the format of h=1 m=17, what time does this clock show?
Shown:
h=6 m=59
